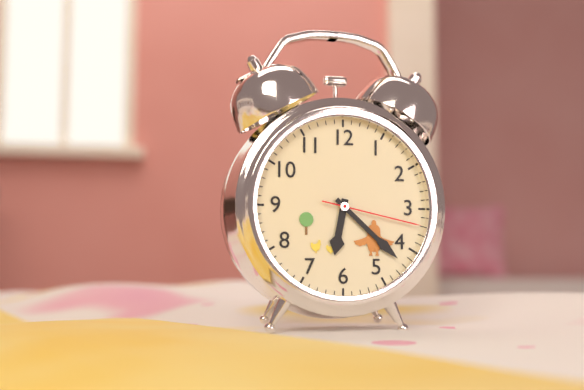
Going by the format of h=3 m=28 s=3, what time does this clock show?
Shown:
h=6 m=22 s=17
